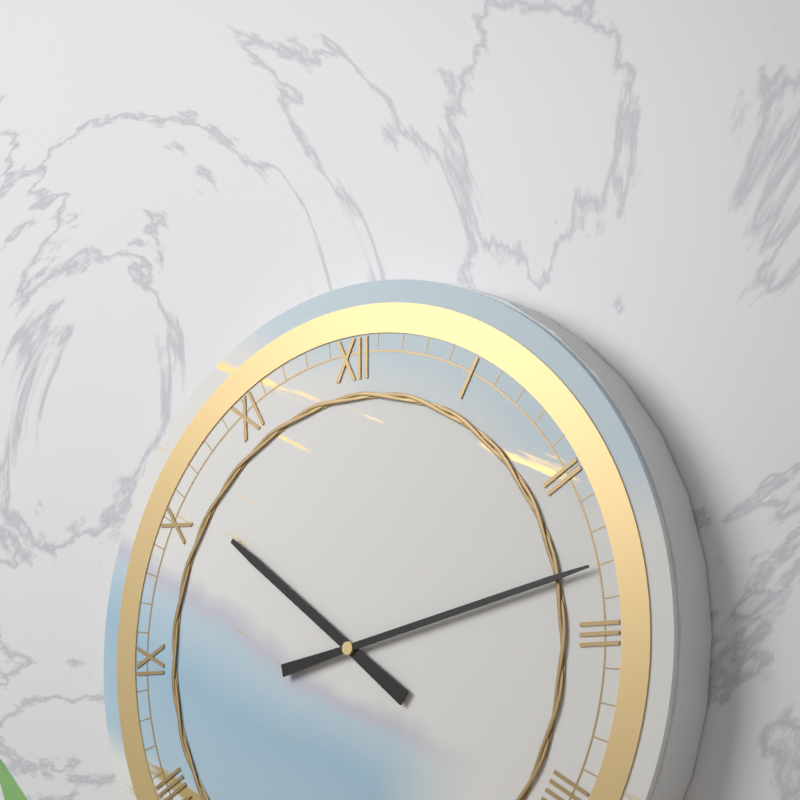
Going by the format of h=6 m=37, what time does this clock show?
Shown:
h=10 m=13
